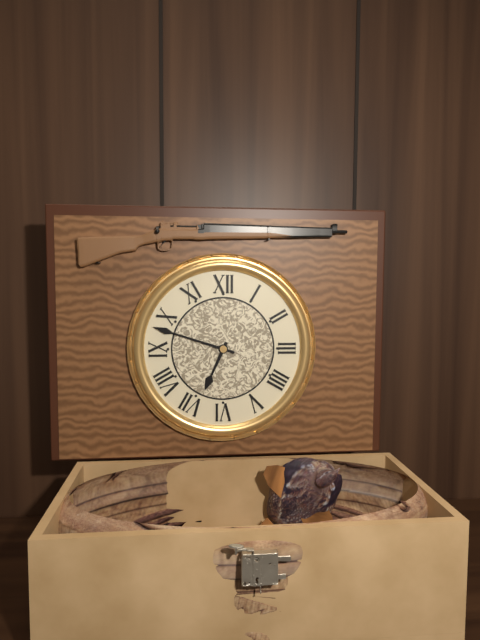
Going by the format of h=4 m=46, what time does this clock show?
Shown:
h=6 m=48
